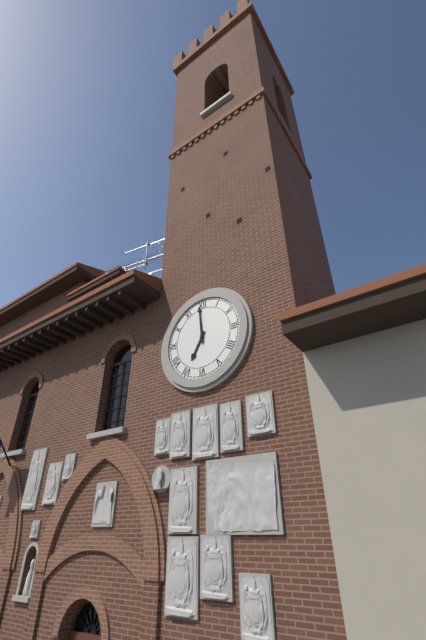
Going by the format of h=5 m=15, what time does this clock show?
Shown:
h=6 m=59
